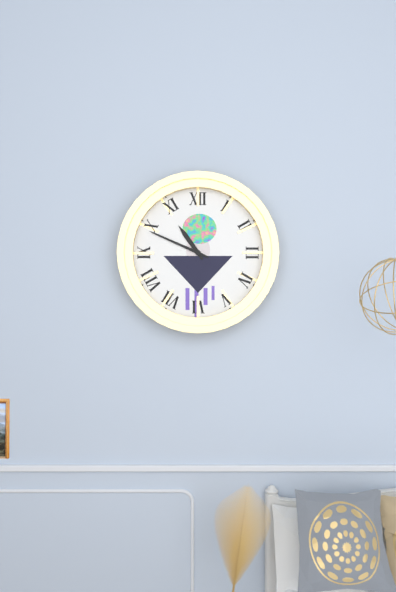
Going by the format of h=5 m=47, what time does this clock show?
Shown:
h=10 m=49
